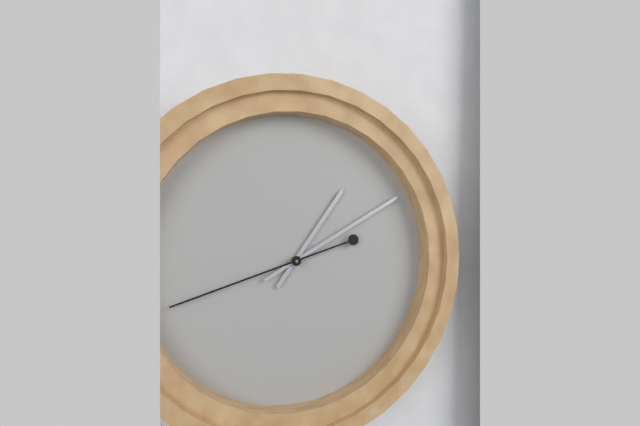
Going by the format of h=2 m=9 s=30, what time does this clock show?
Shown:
h=1 m=10 s=42
